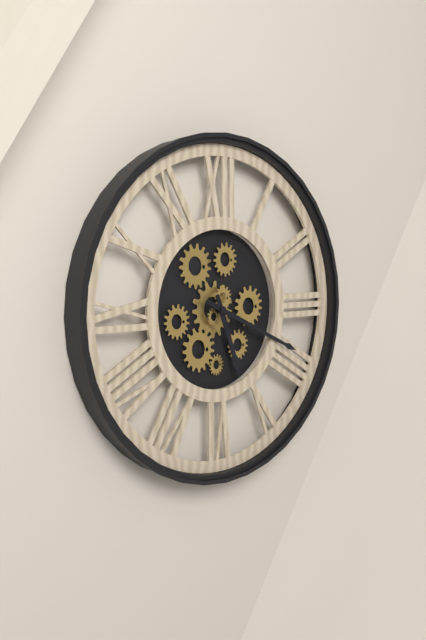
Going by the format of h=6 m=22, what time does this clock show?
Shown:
h=5 m=19
